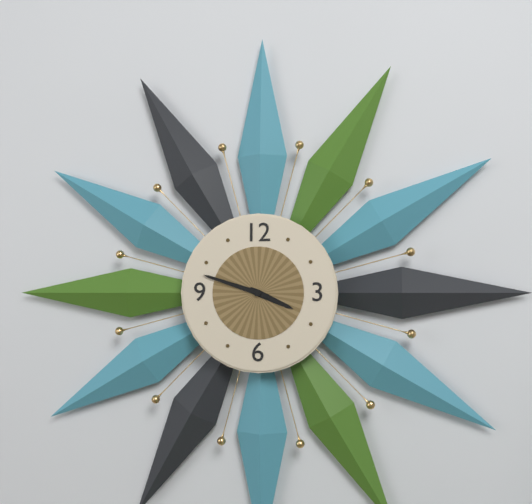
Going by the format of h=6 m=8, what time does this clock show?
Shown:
h=3 m=48
